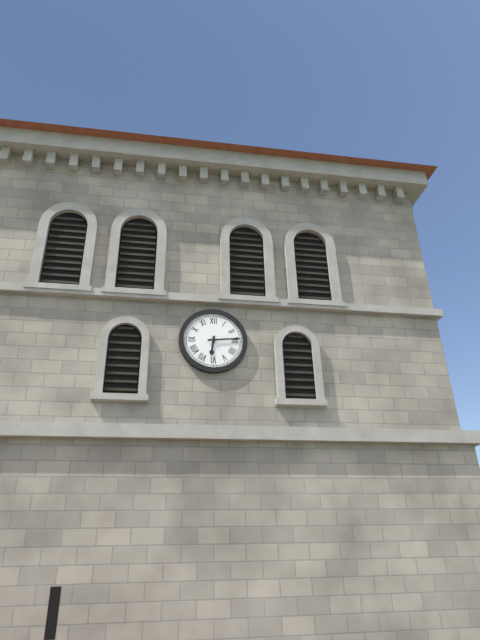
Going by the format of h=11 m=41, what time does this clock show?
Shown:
h=6 m=14
